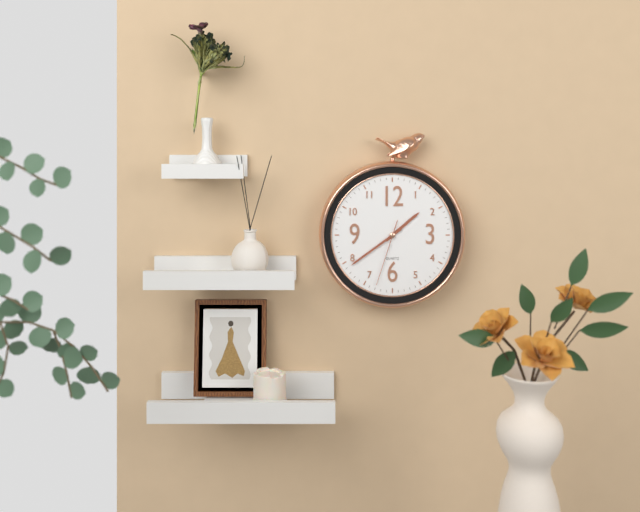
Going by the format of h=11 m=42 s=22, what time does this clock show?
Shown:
h=1 m=39 s=33
